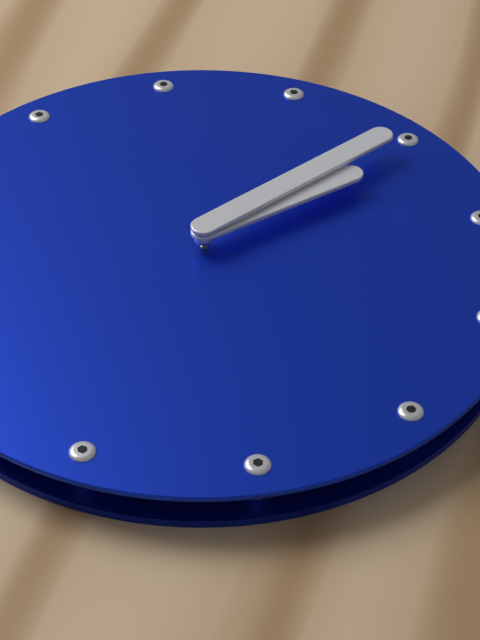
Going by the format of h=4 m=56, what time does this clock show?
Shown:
h=3 m=15
